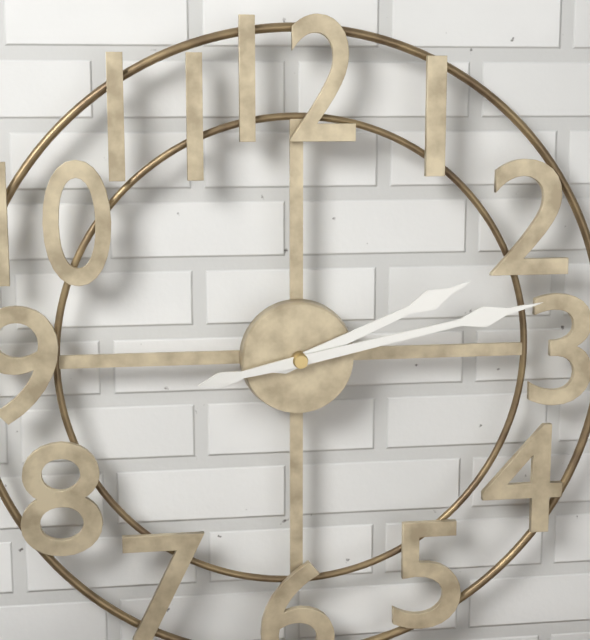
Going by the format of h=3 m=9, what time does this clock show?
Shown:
h=2 m=13
